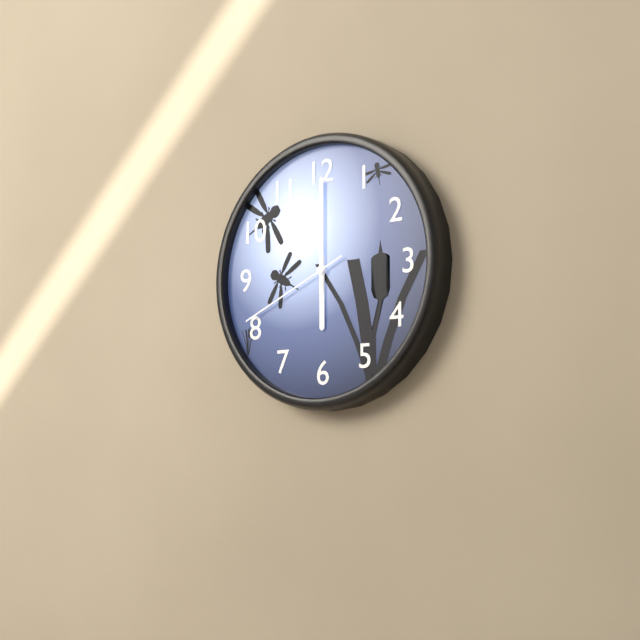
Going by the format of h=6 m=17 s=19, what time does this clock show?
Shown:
h=6 m=0 s=41
